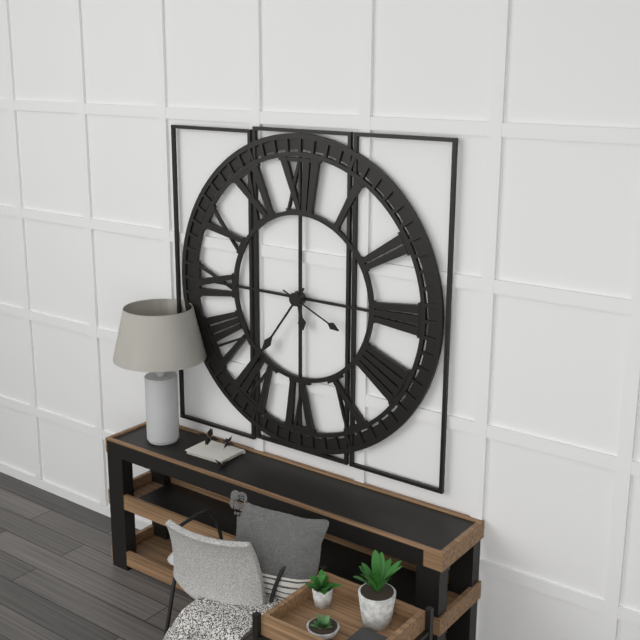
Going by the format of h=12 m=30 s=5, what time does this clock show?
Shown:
h=5 m=36 s=19
